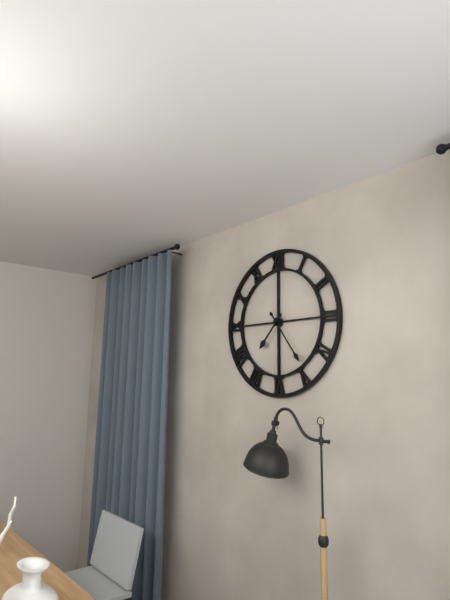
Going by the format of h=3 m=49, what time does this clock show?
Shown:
h=7 m=24
